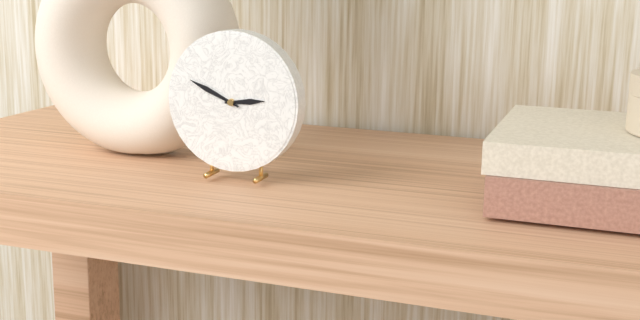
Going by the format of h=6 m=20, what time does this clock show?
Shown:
h=2 m=49
